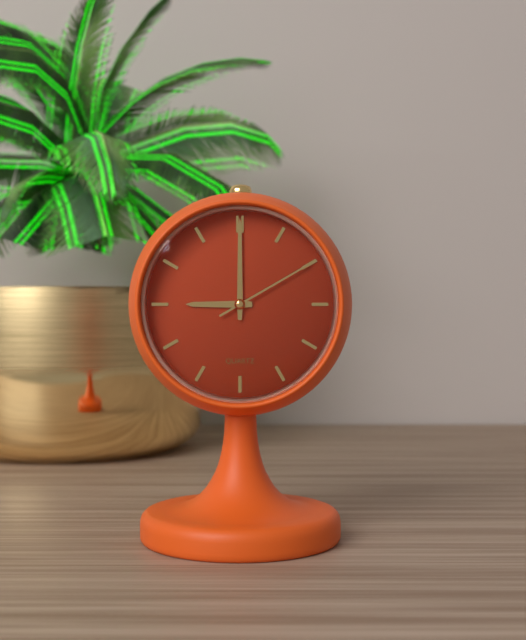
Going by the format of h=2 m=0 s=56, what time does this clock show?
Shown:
h=9 m=0 s=10
